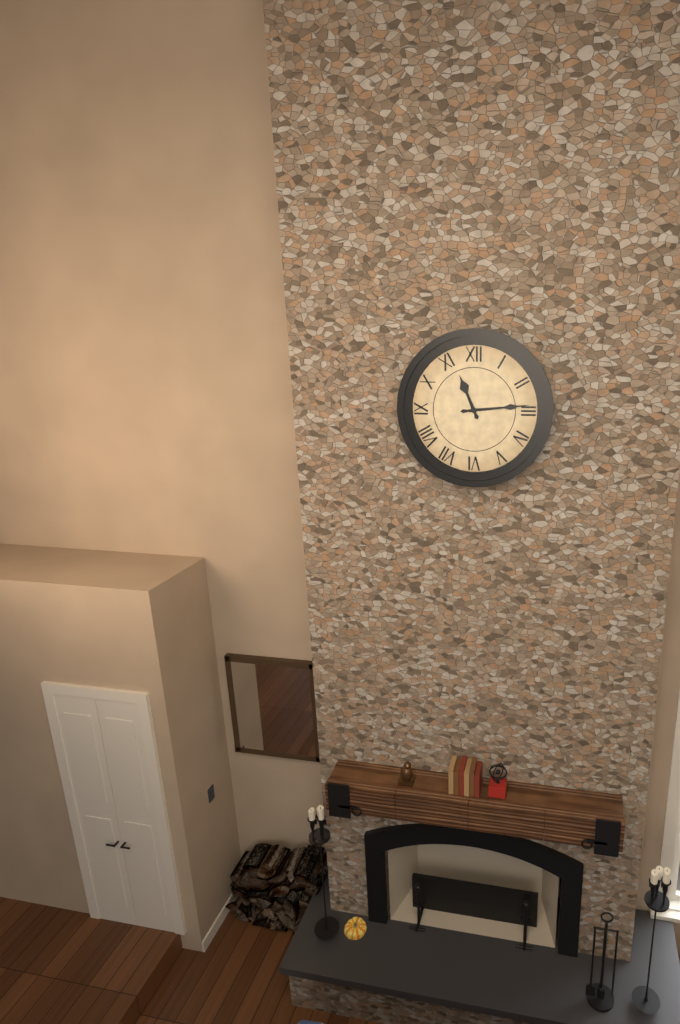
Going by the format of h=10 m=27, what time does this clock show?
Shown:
h=11 m=14
